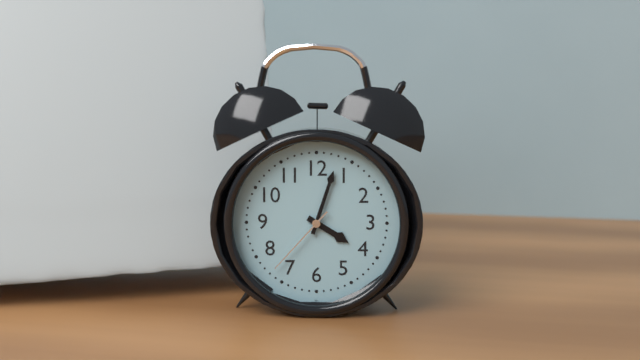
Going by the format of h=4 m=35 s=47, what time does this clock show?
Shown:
h=4 m=3 s=37
